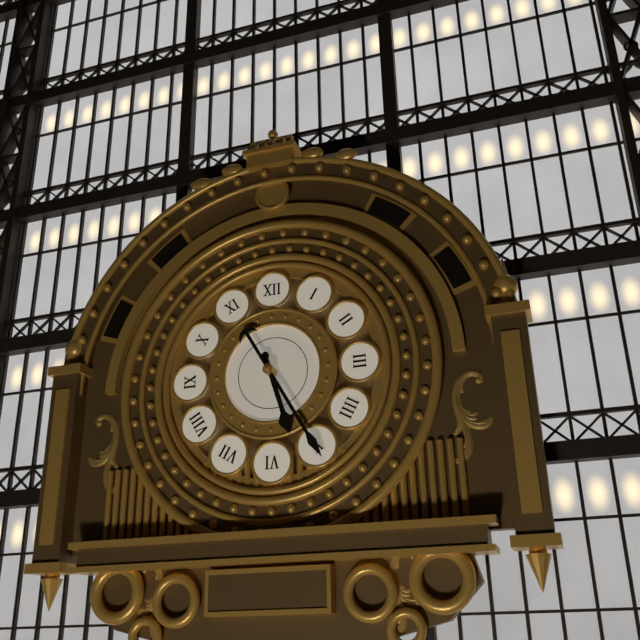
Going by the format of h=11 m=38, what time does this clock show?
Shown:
h=5 m=25
